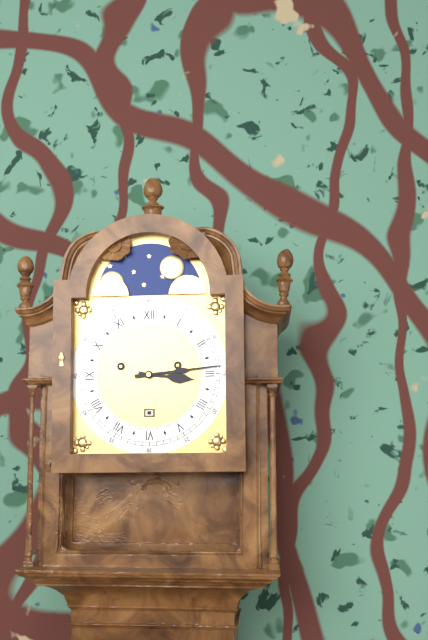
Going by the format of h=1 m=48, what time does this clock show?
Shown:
h=3 m=14
